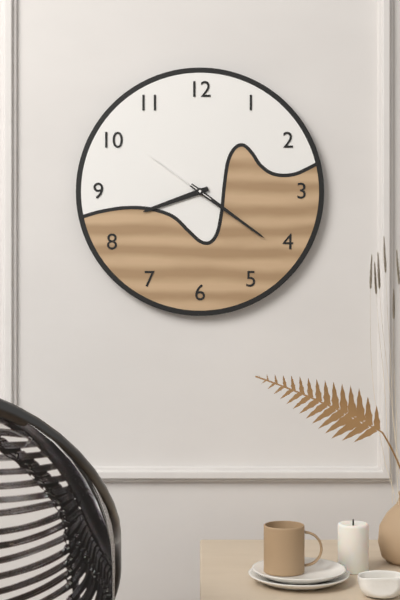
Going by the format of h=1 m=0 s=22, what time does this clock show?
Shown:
h=8 m=21 s=51
